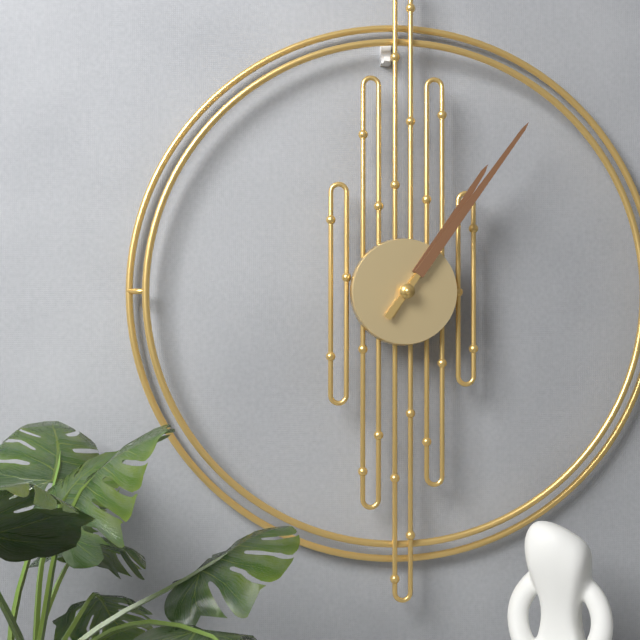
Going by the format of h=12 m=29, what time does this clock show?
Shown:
h=1 m=6
